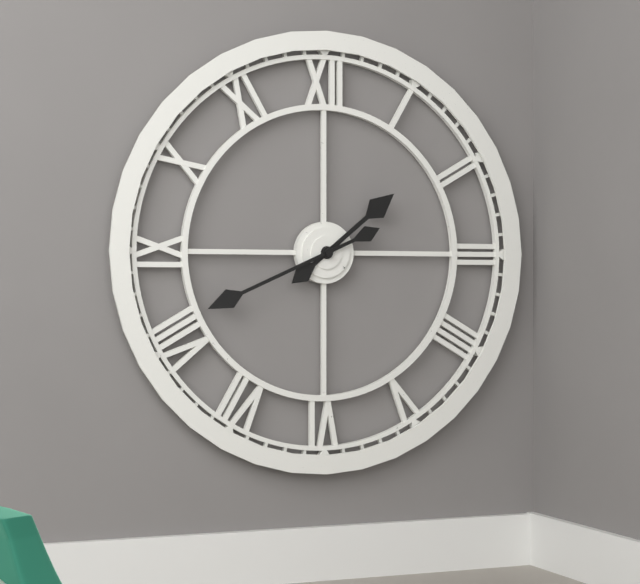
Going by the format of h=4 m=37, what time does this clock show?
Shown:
h=1 m=41
